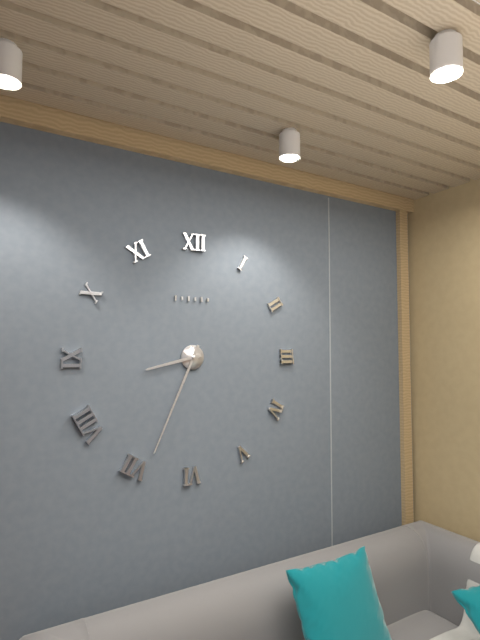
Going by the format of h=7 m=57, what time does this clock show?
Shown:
h=8 m=34
